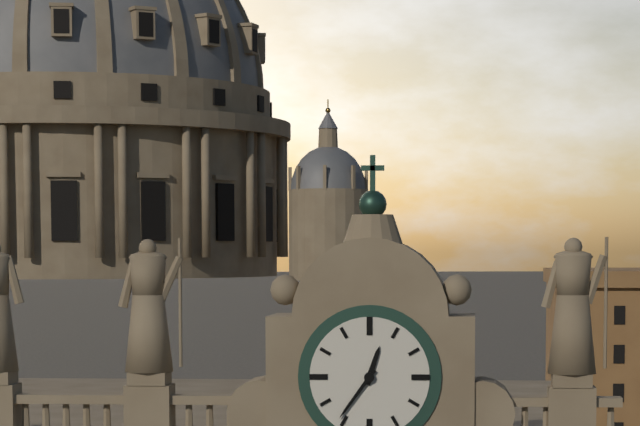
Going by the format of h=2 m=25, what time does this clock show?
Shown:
h=12 m=36
